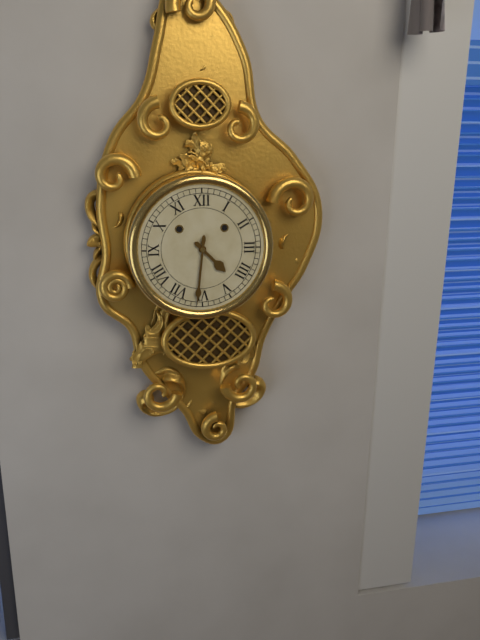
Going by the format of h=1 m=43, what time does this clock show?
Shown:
h=4 m=31
